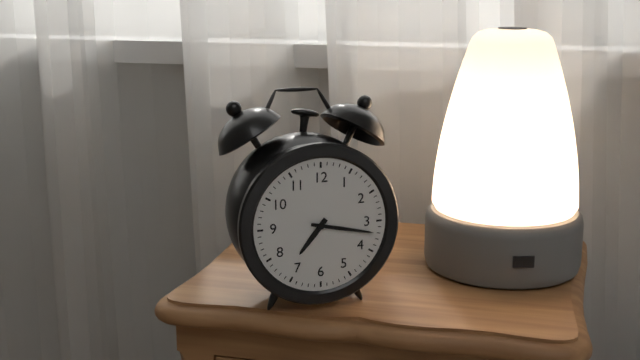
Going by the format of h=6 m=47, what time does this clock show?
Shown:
h=7 m=17
